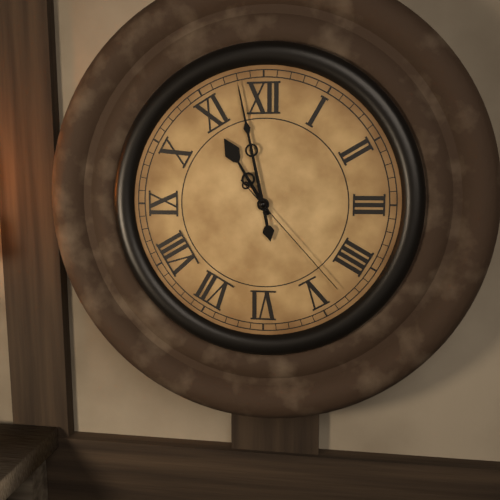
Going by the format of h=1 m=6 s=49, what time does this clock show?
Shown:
h=10 m=58 s=23
